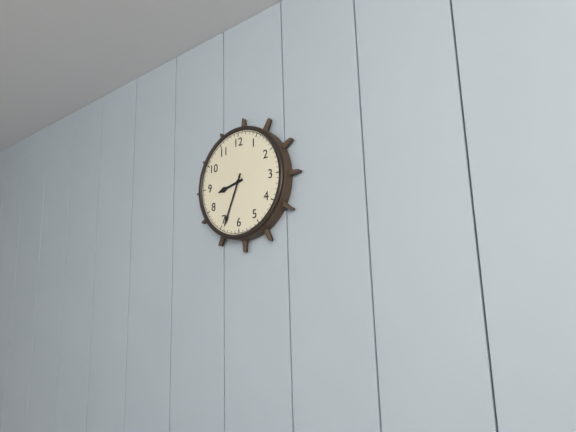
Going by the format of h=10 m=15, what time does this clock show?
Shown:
h=8 m=34
